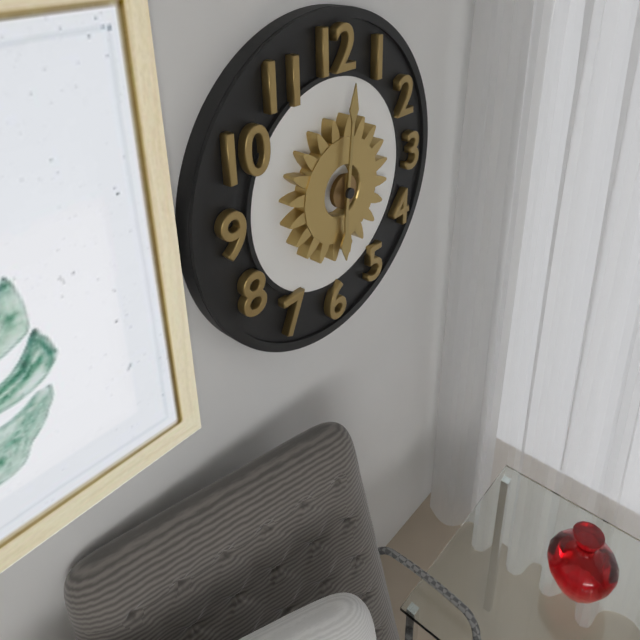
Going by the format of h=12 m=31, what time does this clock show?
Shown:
h=6 m=1
